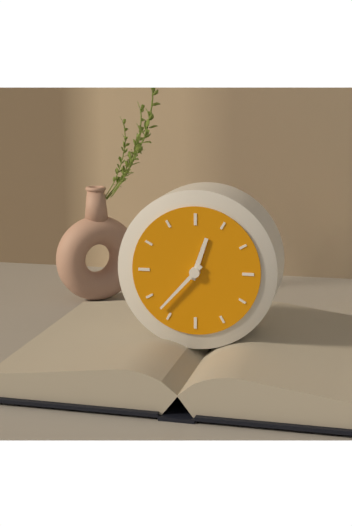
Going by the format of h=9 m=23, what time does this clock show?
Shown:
h=12 m=37
